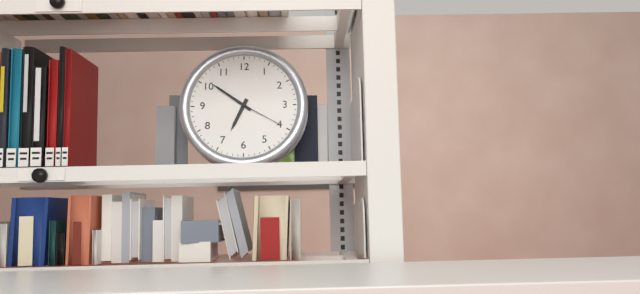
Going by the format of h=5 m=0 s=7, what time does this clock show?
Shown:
h=6 m=51 s=20
